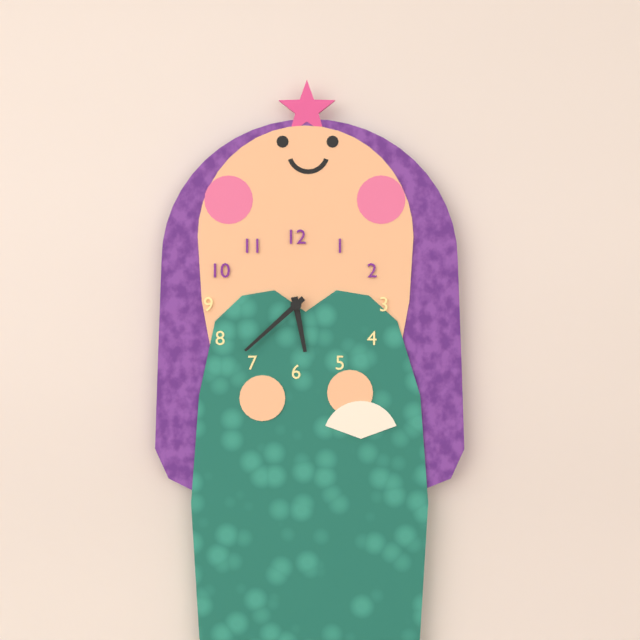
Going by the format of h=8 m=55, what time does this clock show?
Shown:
h=5 m=38
